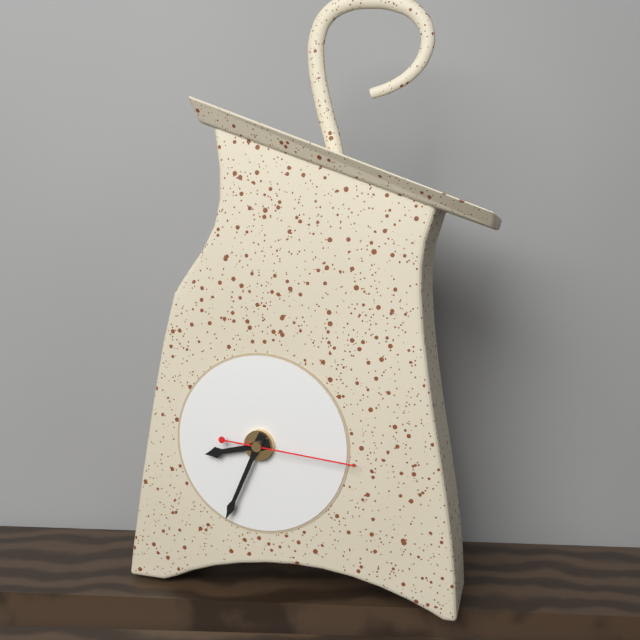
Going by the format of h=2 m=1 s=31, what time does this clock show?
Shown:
h=8 m=34 s=16
